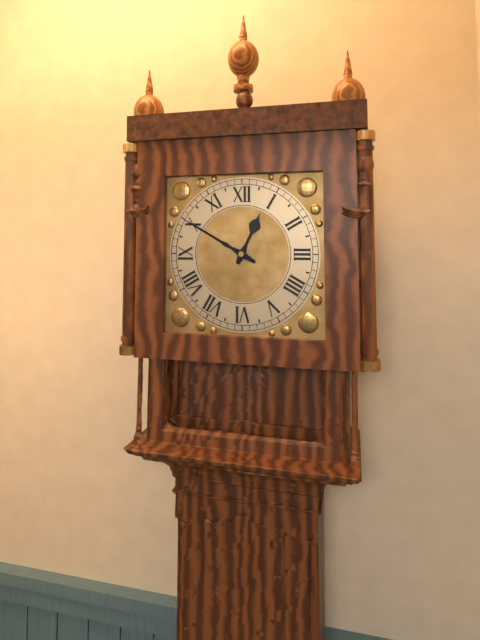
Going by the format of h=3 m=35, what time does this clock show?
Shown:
h=12 m=50
